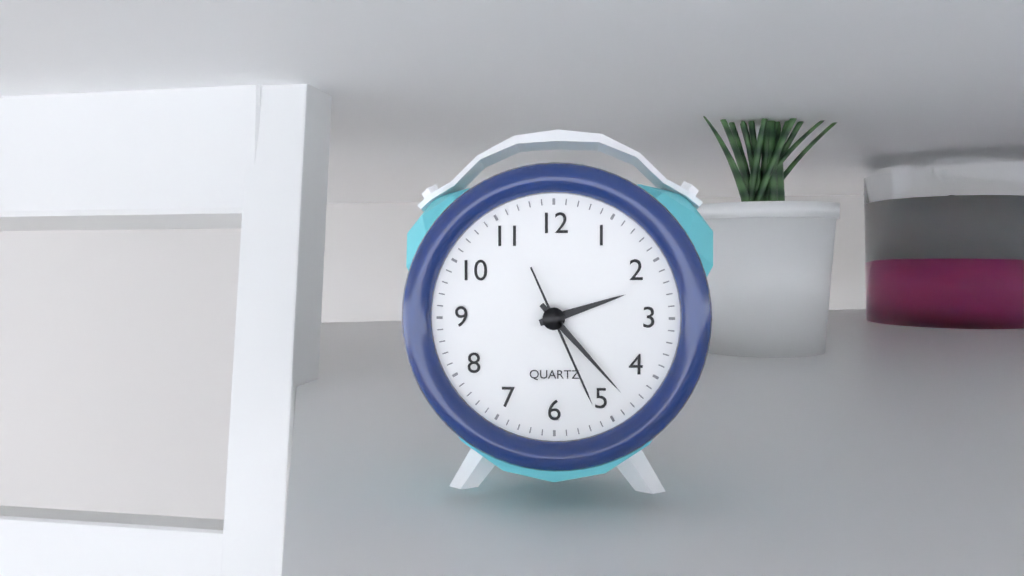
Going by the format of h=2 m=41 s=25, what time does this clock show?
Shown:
h=2 m=23 s=26
